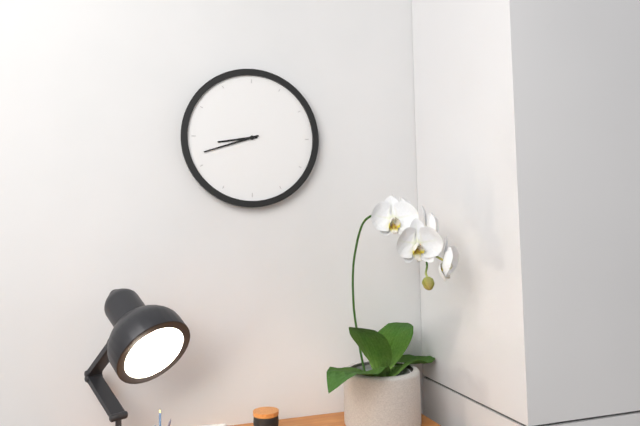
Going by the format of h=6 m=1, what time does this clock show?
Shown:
h=8 m=42
